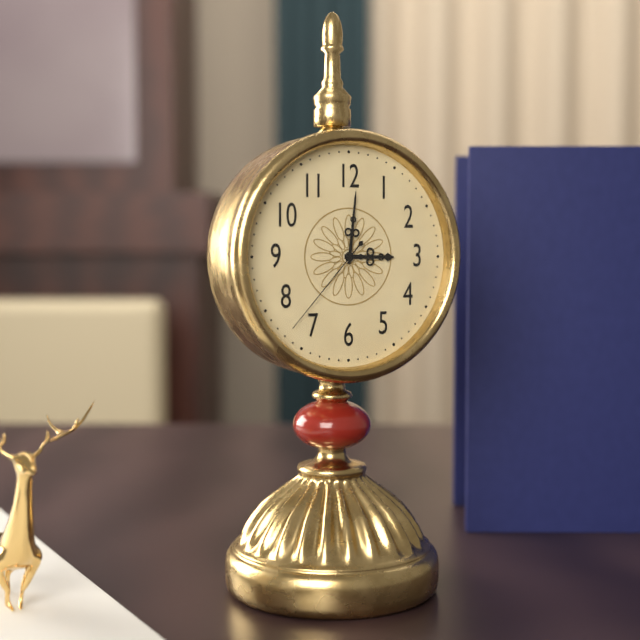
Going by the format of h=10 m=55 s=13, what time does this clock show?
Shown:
h=3 m=1 s=37
